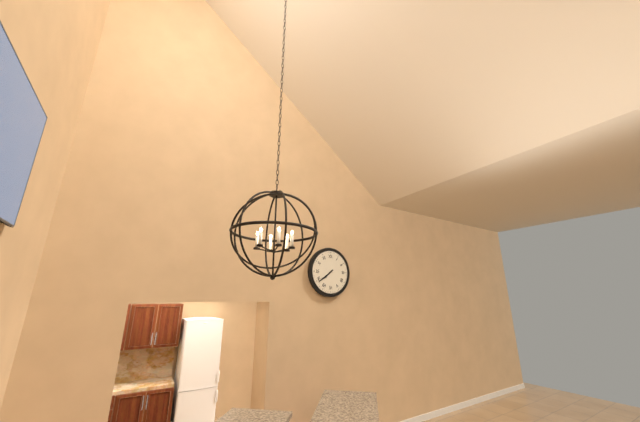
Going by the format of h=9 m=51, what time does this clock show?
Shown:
h=7 m=39
